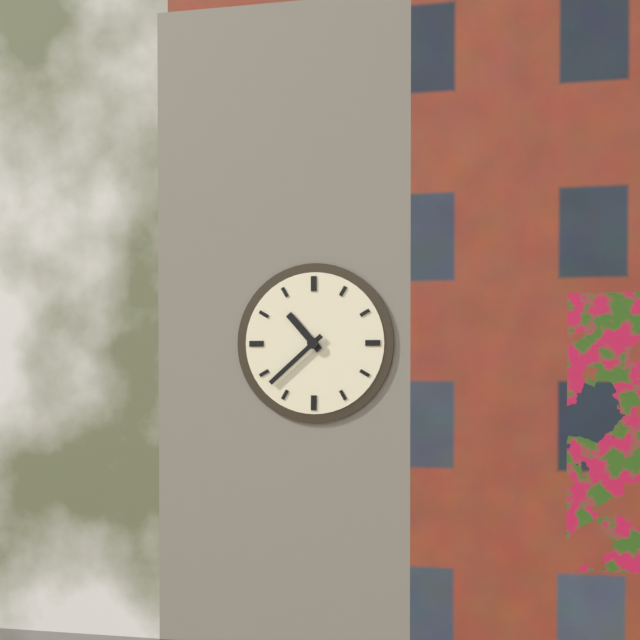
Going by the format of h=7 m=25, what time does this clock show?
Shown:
h=10 m=38
